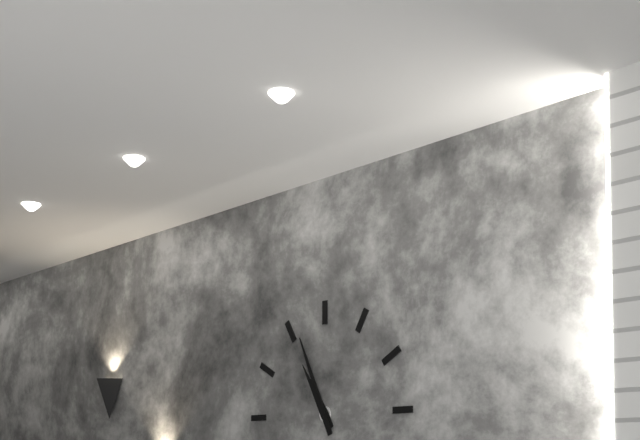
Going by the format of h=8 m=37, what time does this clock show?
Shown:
h=10 m=56
